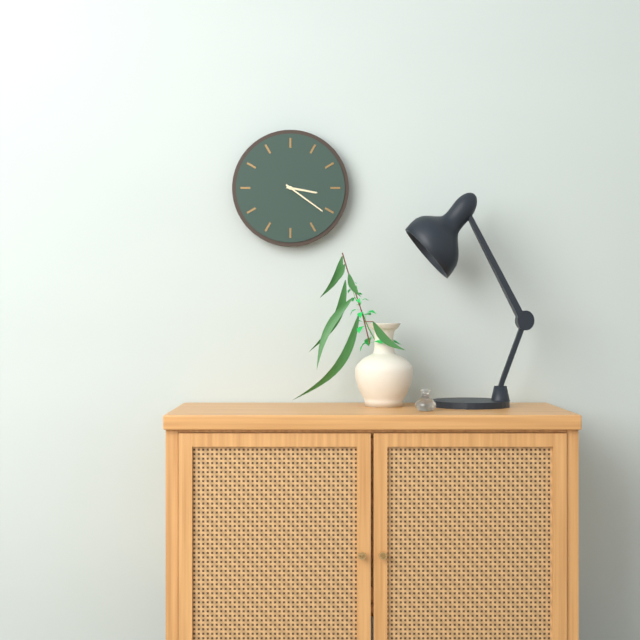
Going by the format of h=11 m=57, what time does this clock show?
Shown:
h=3 m=21
